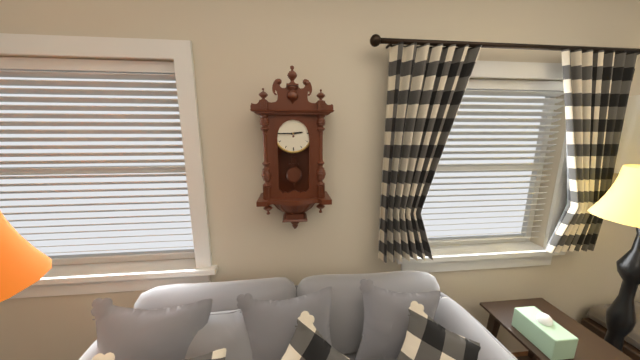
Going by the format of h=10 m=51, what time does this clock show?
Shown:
h=2 m=45
